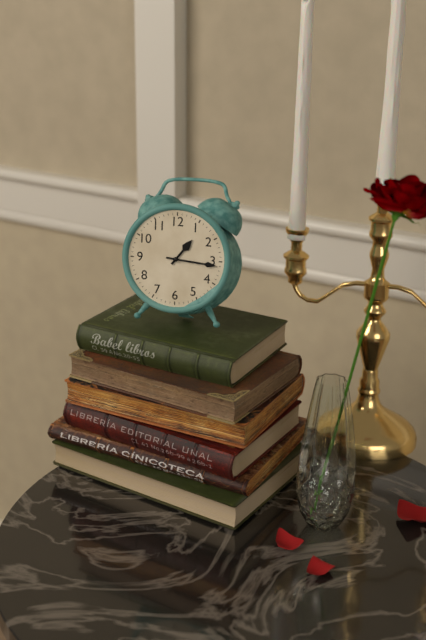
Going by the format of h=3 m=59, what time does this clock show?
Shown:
h=1 m=16
